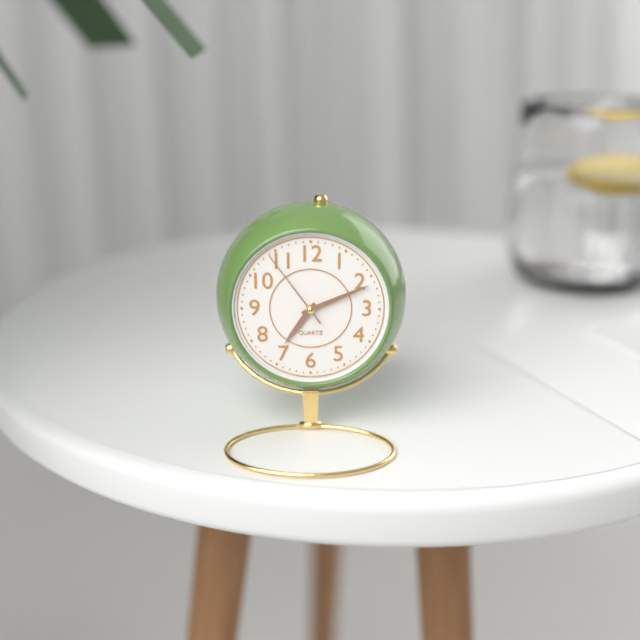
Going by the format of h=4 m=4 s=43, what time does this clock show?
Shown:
h=7 m=11 s=54
